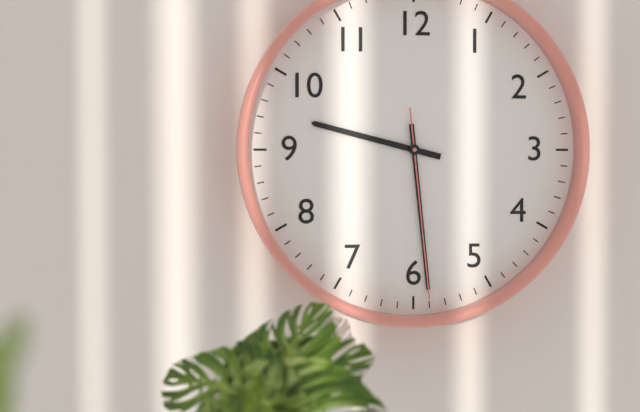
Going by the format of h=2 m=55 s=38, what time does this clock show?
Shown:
h=9 m=29 s=29
